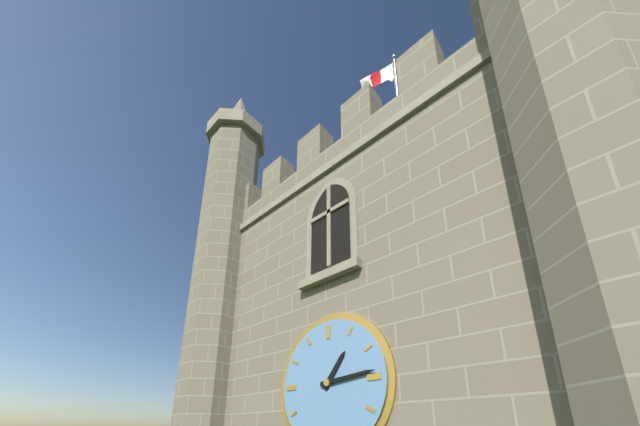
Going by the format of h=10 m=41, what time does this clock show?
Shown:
h=1 m=14
